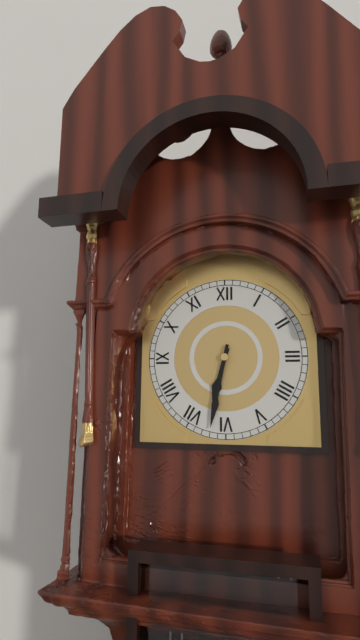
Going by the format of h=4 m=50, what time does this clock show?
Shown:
h=6 m=32
